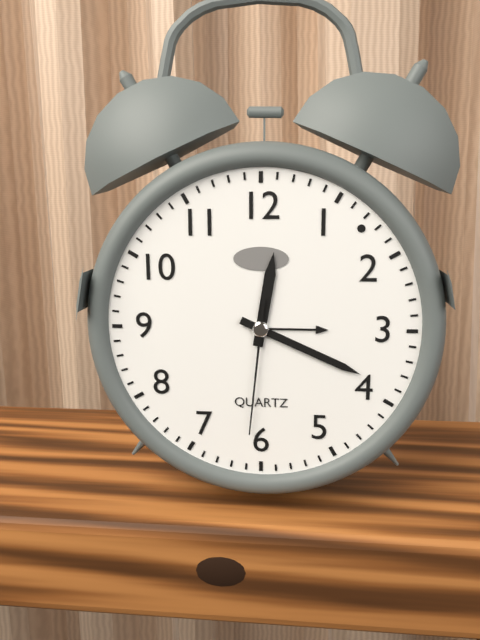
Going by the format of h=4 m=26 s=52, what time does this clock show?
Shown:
h=12 m=19 s=31
